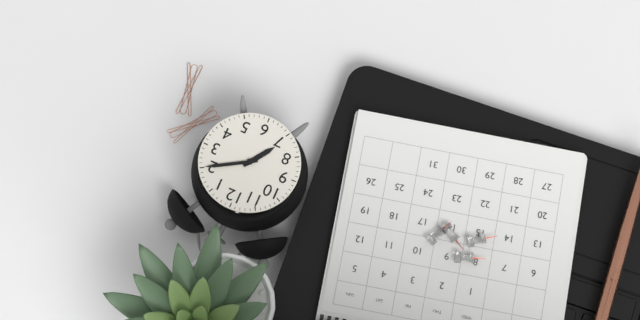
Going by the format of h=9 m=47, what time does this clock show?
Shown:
h=7 m=10
